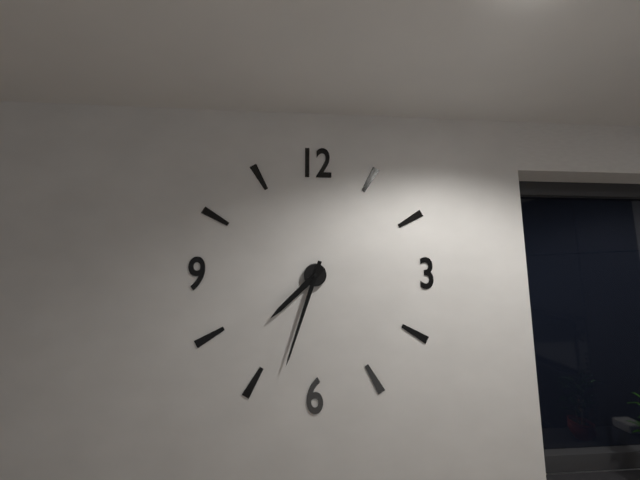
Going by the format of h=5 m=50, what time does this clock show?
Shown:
h=7 m=33
